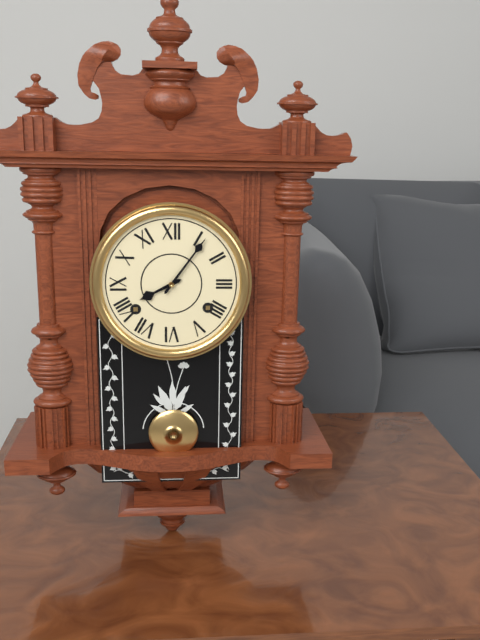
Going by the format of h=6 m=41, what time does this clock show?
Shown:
h=8 m=6
